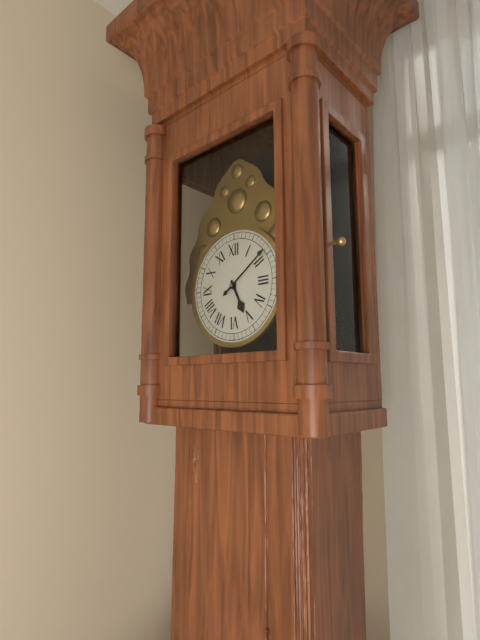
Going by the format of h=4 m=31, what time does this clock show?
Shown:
h=5 m=9
